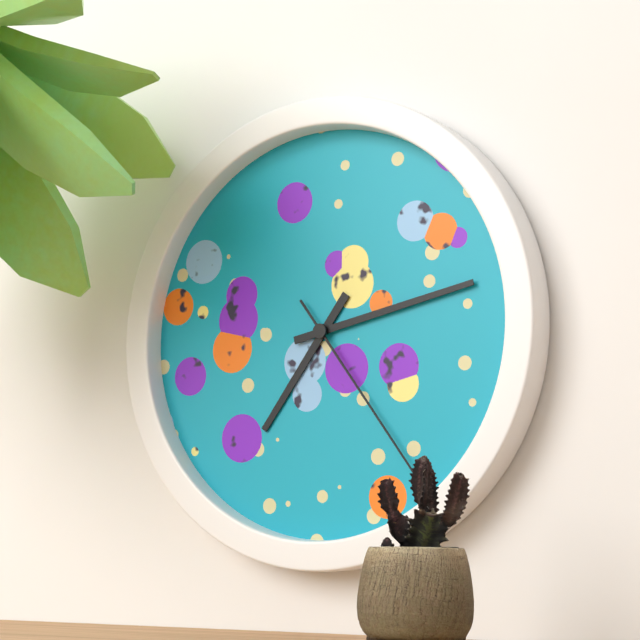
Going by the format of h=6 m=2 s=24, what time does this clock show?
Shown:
h=7 m=13 s=24
